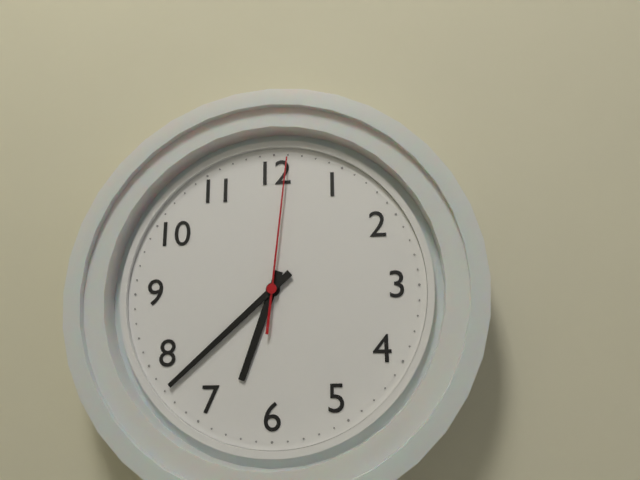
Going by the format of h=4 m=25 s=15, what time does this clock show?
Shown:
h=6 m=38 s=1
